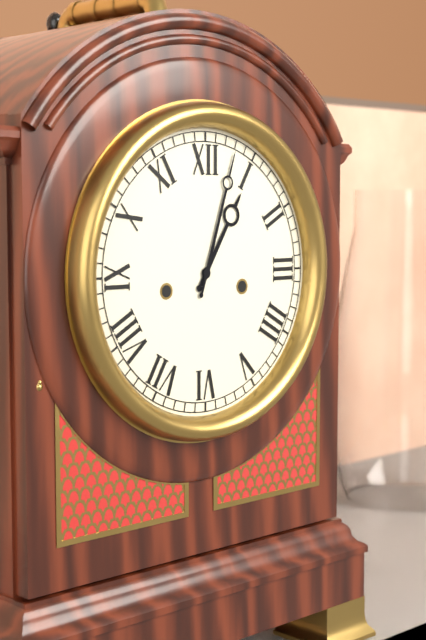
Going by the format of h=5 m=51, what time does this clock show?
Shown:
h=1 m=3
